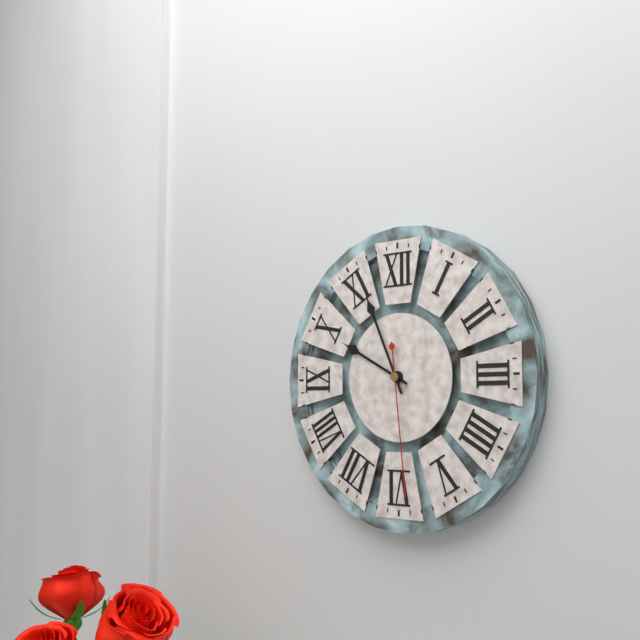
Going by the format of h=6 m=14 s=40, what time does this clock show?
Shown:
h=9 m=56 s=29
